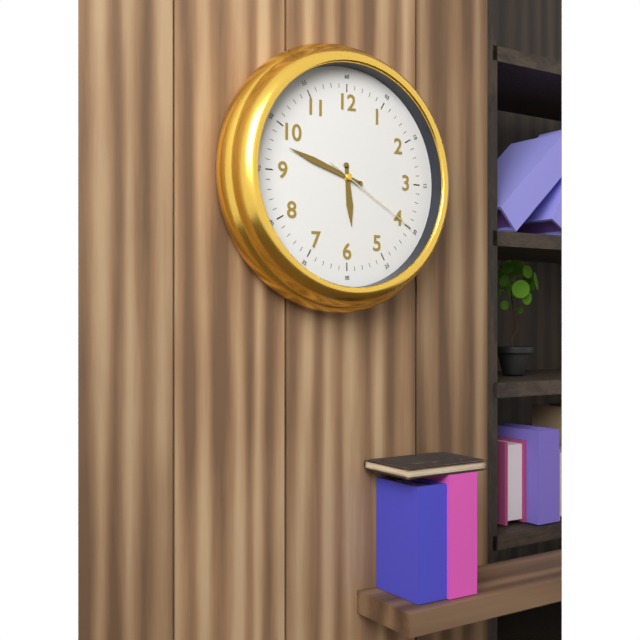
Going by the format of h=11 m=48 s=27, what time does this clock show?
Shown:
h=5 m=48 s=20
